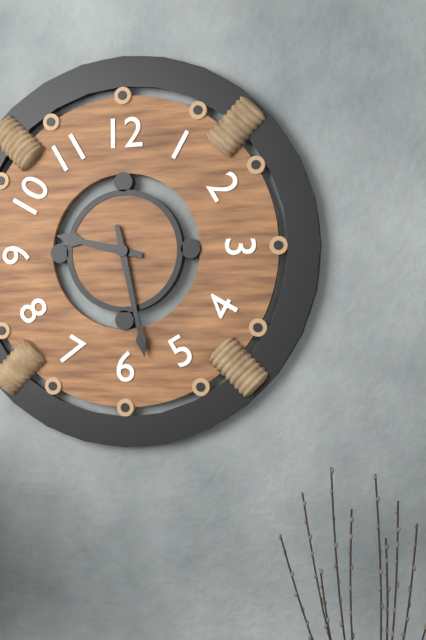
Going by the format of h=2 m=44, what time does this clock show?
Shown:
h=9 m=28
